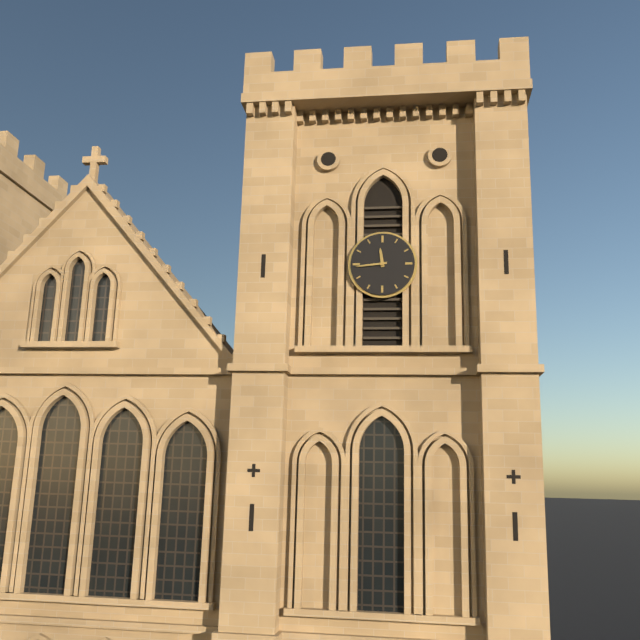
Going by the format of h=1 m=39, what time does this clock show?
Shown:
h=11 m=44
